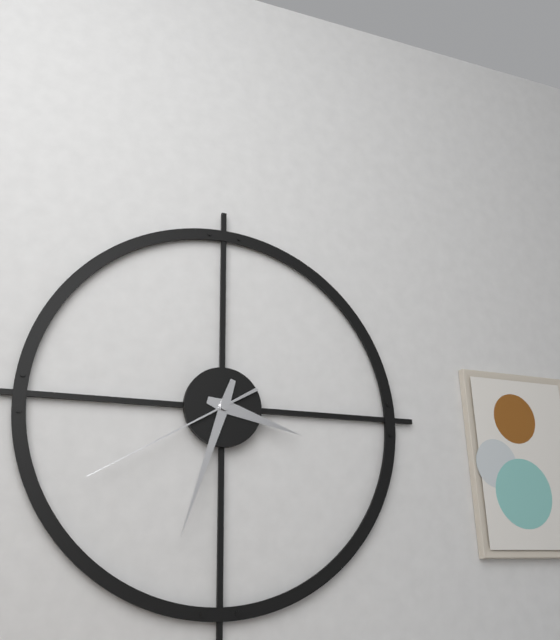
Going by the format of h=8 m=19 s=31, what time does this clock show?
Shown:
h=3 m=33 s=40
